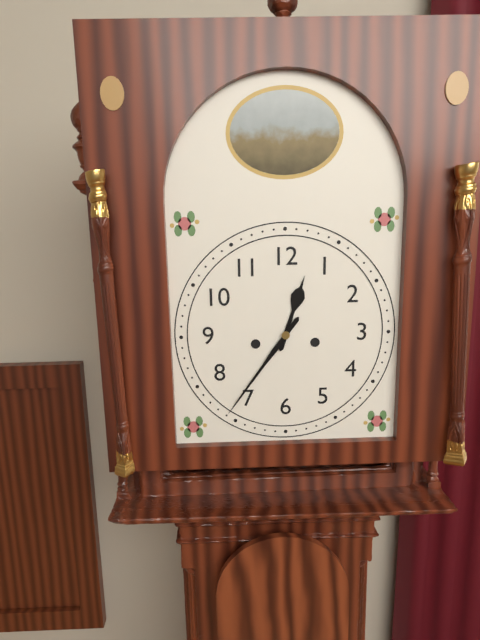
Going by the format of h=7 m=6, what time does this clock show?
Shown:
h=12 m=36
